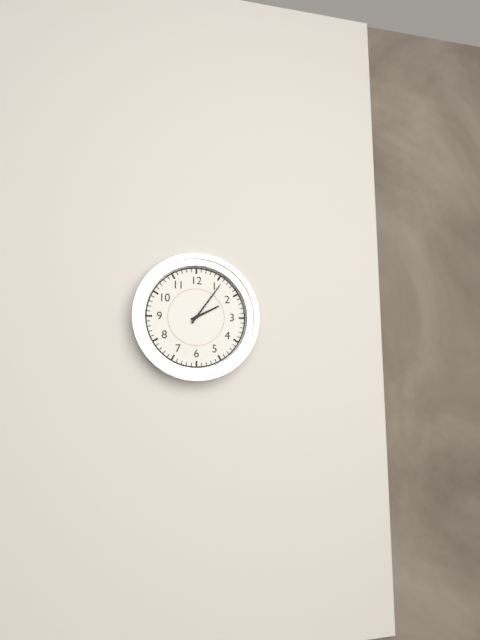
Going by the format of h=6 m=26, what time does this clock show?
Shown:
h=2 m=6
